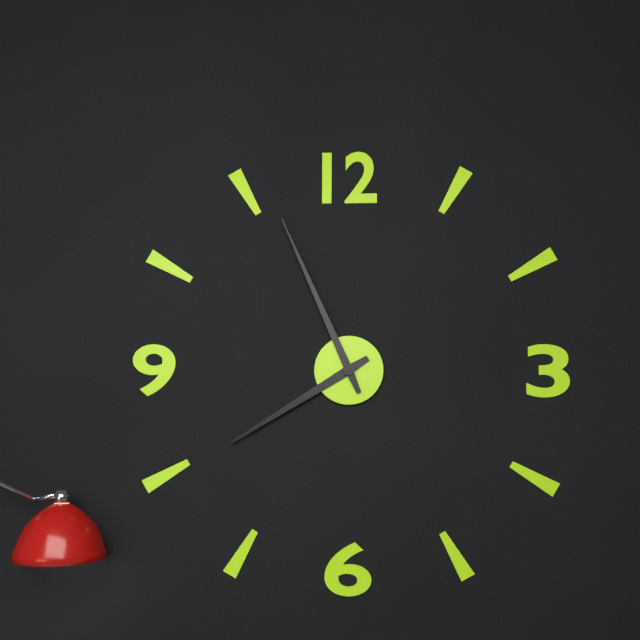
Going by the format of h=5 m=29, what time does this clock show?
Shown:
h=7 m=56
